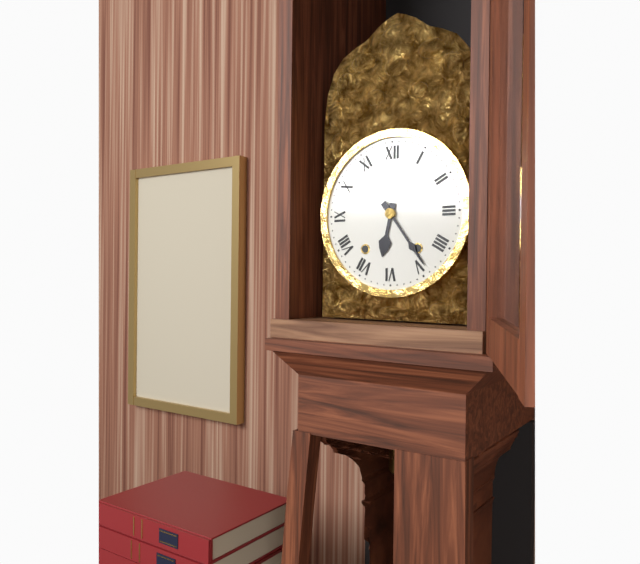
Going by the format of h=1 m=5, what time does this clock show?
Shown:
h=6 m=24
